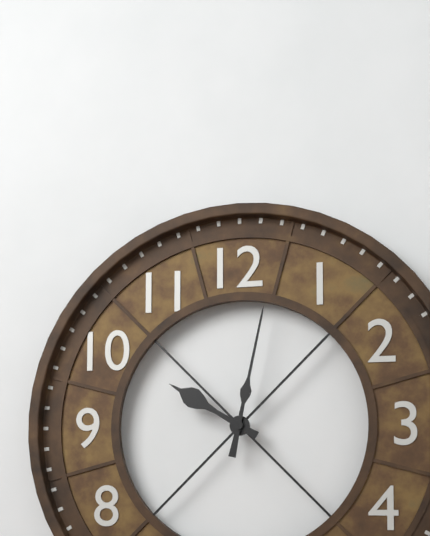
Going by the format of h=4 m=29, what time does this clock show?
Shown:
h=10 m=2
